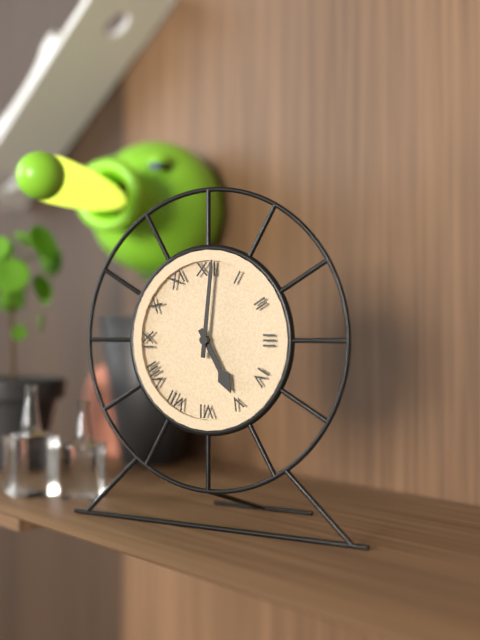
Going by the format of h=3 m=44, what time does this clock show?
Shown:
h=5 m=1
